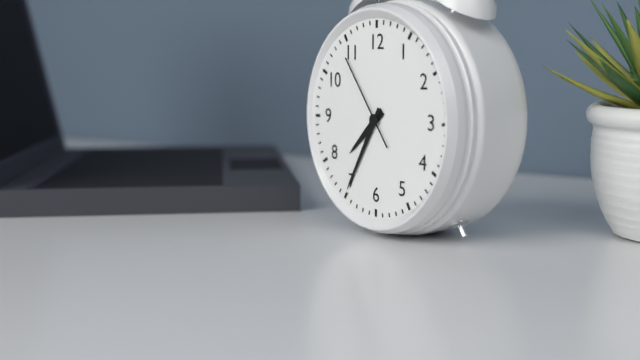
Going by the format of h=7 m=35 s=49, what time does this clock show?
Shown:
h=7 m=35 s=54
